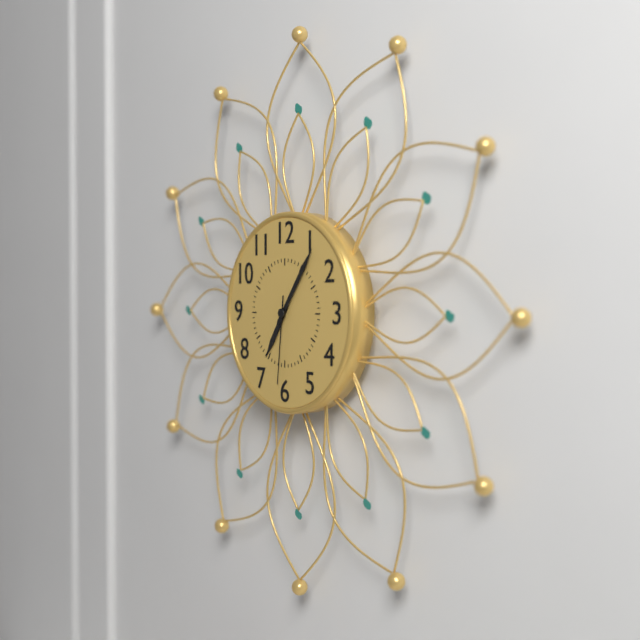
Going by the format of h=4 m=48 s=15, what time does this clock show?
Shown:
h=7 m=6 s=31
